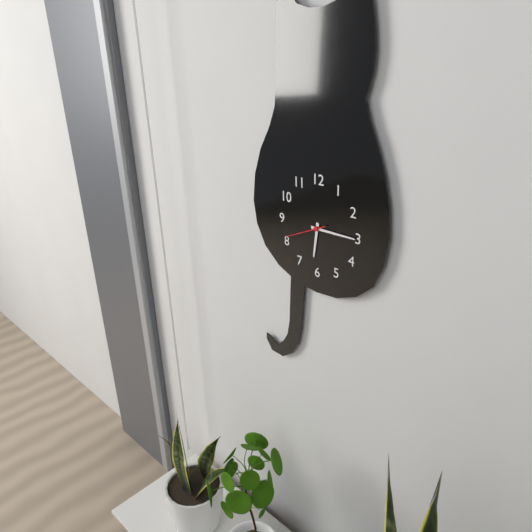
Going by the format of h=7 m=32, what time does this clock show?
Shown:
h=6 m=15
